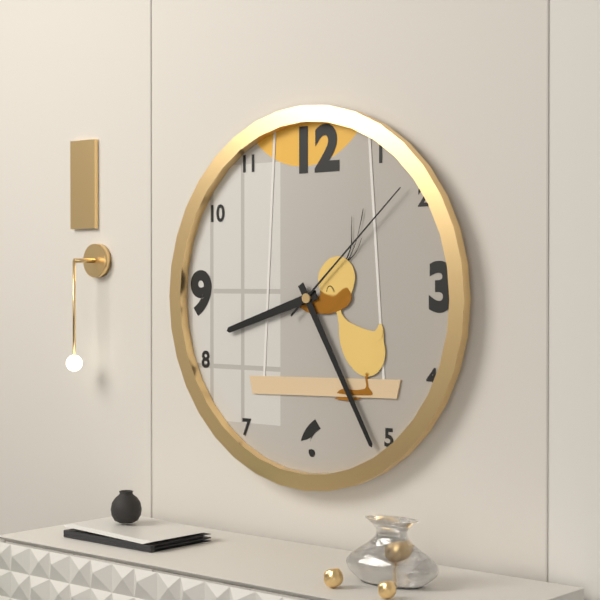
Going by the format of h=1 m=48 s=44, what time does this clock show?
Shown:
h=8 m=25 s=8
